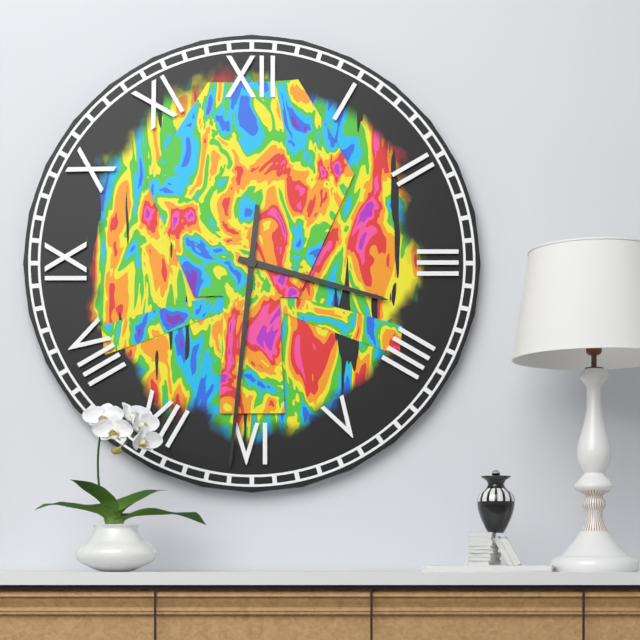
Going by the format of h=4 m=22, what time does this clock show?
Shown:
h=3 m=31
